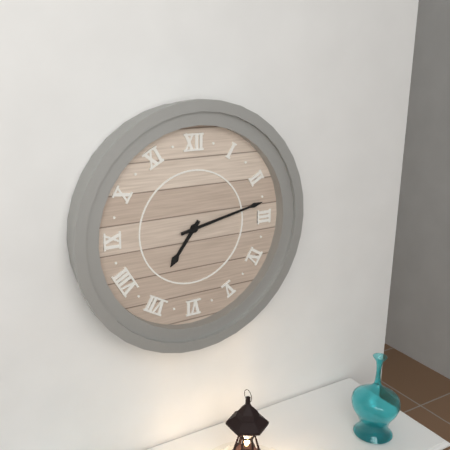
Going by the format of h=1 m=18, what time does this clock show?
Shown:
h=7 m=13
